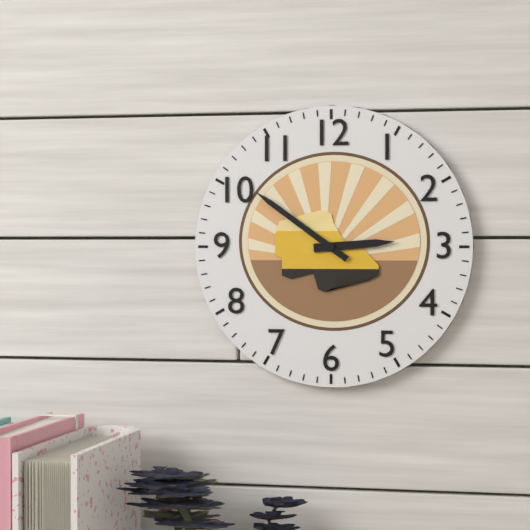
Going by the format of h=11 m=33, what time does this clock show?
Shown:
h=2 m=51
